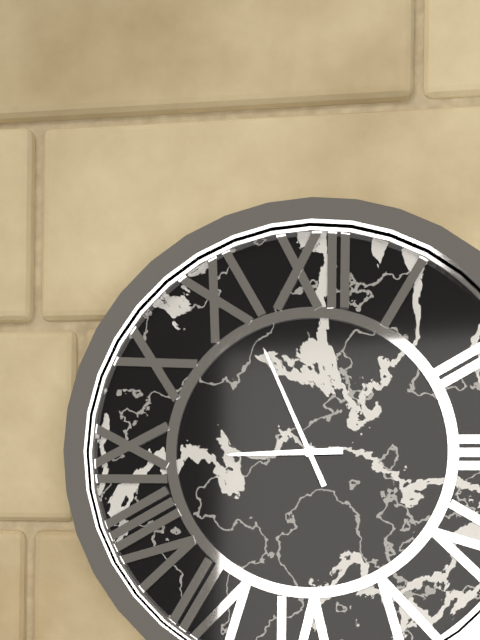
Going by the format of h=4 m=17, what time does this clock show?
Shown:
h=8 m=56
